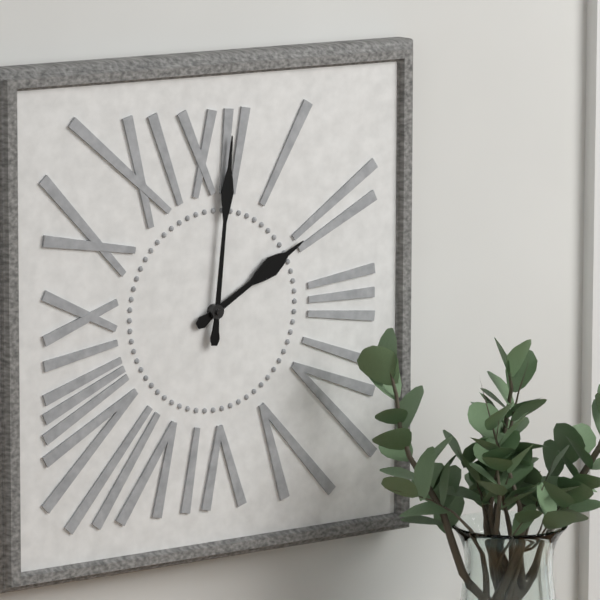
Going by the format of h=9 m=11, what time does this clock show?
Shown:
h=2 m=1
